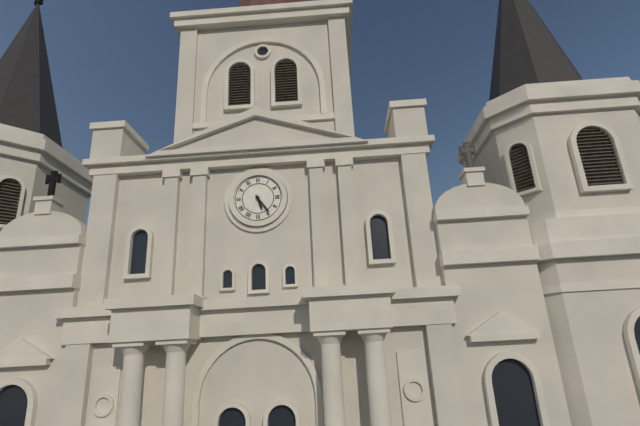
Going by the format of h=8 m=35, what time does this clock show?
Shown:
h=5 m=24
